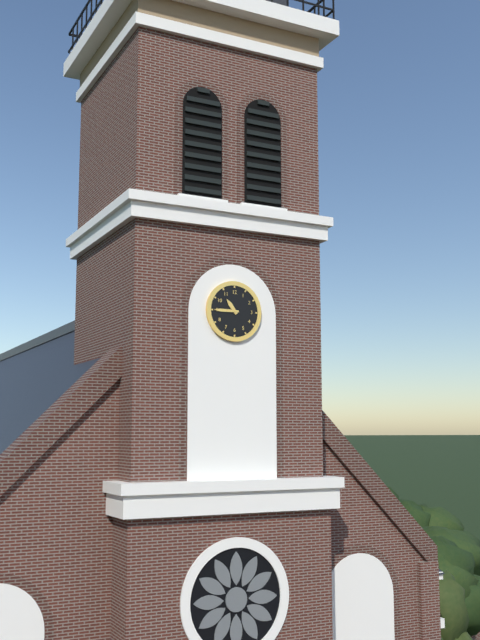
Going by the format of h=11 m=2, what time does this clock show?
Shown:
h=10 m=45
